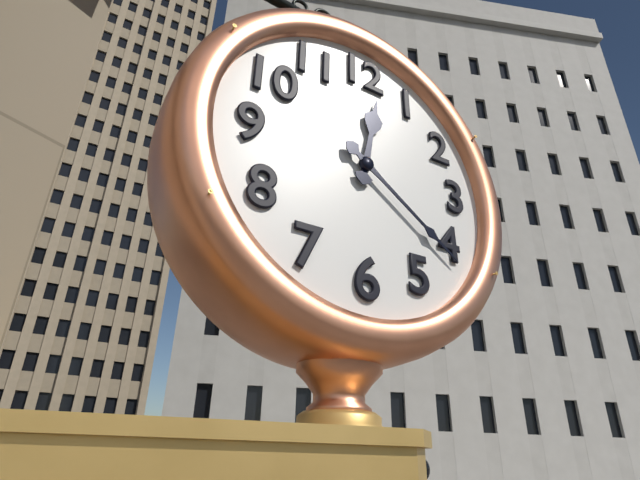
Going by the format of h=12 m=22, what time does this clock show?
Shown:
h=12 m=21
